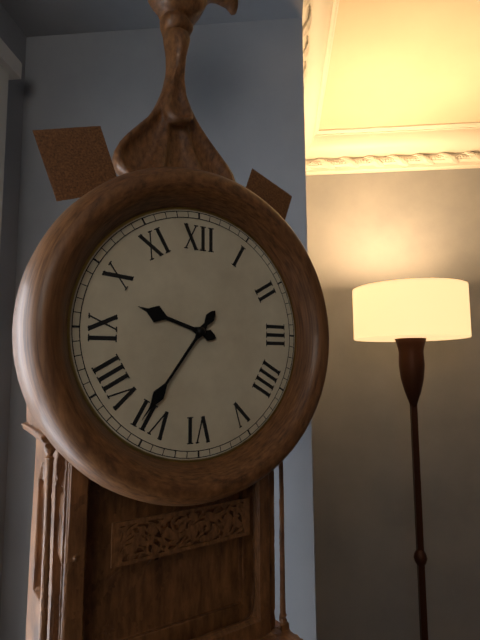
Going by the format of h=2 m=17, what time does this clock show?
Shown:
h=9 m=36
